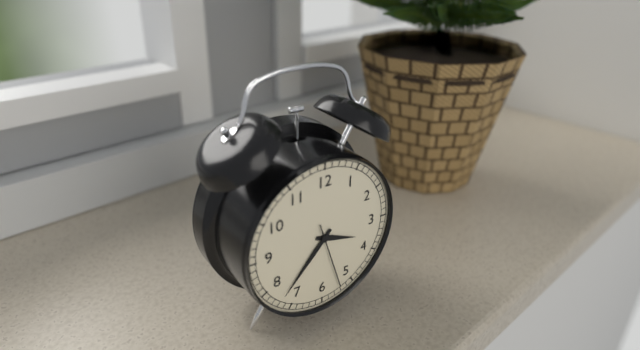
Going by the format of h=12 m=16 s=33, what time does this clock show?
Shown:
h=3 m=37 s=27
